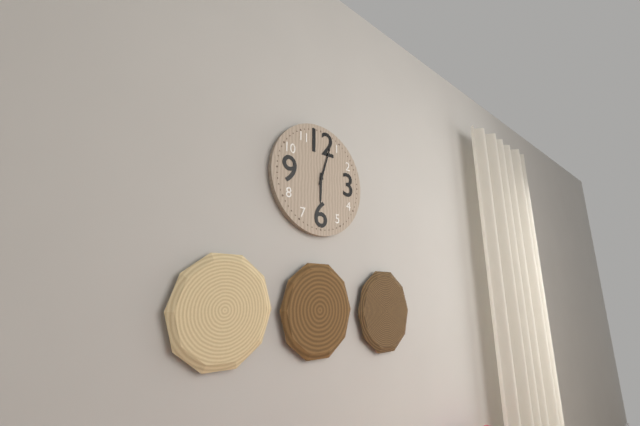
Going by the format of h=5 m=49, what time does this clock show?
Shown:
h=6 m=3
